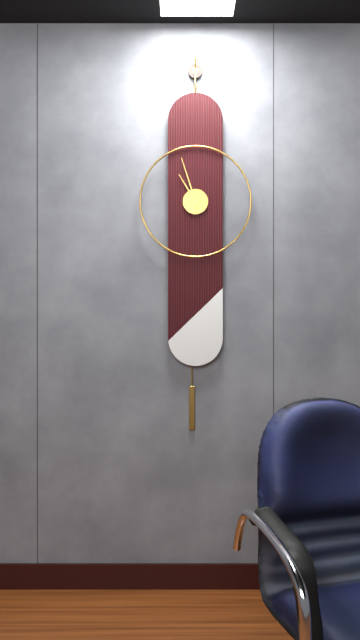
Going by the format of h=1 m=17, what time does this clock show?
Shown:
h=10 m=57
